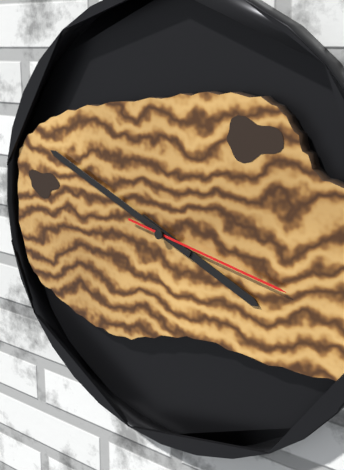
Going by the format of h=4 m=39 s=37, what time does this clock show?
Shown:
h=3 m=49 s=17
